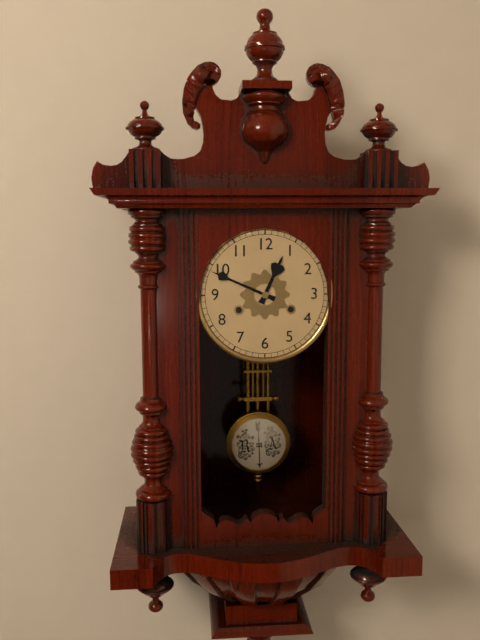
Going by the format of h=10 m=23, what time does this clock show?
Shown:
h=12 m=49
